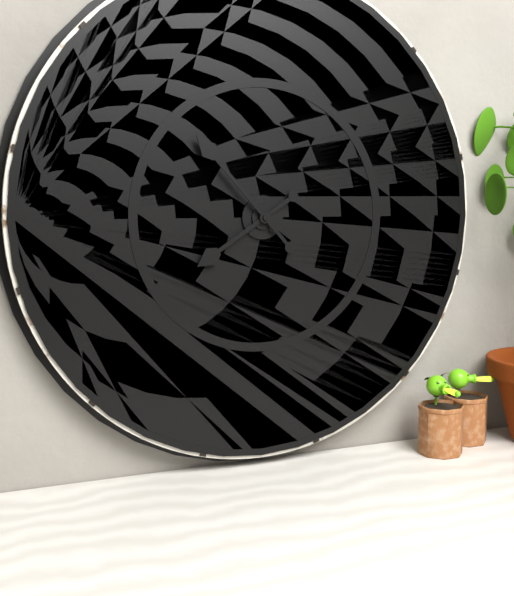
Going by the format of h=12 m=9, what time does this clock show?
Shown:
h=7 m=53
